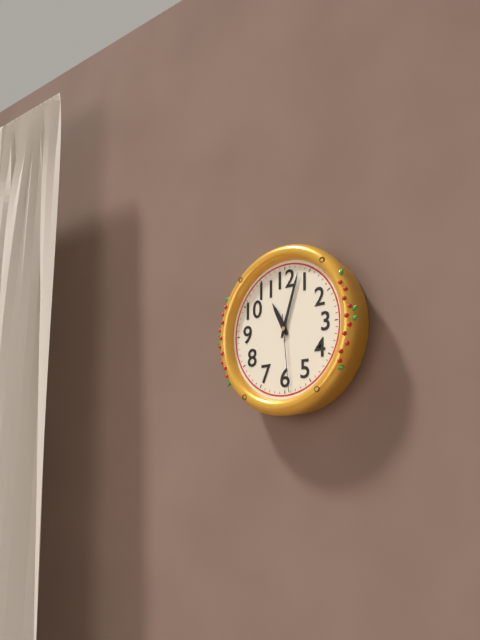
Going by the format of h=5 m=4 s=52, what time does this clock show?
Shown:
h=11 m=3 s=29
